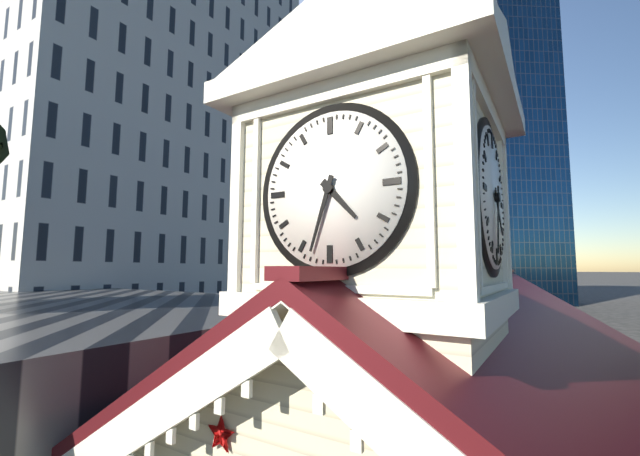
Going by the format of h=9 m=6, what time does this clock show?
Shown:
h=4 m=33
